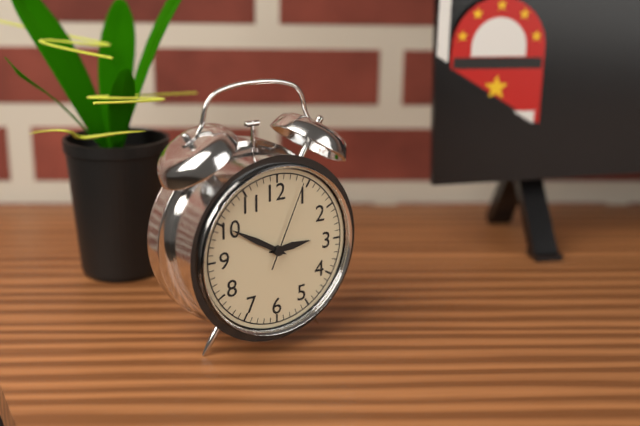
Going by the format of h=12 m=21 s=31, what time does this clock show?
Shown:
h=2 m=50 s=4
